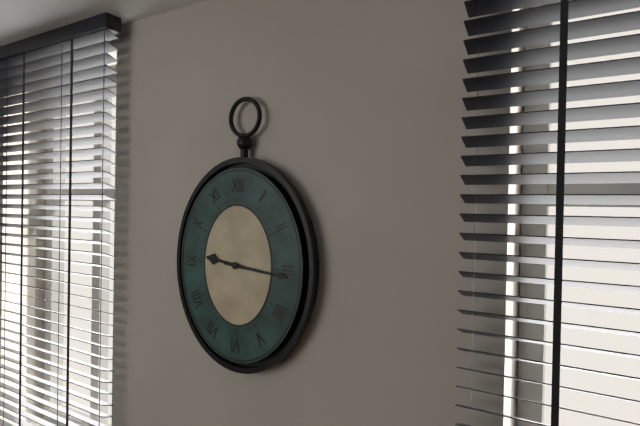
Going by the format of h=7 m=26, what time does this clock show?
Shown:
h=9 m=16
